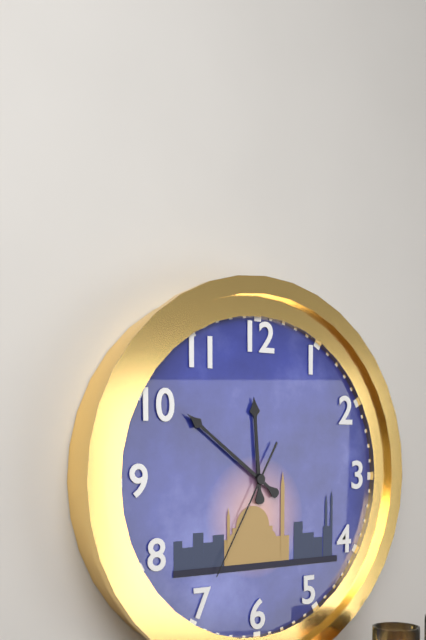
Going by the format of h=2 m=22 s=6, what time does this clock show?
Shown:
h=11 m=51 s=35
